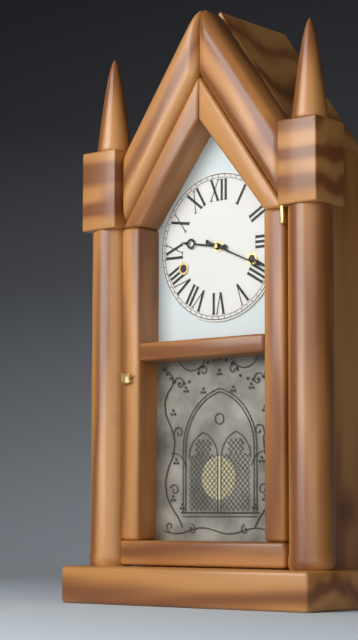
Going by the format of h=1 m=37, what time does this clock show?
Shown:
h=9 m=19
